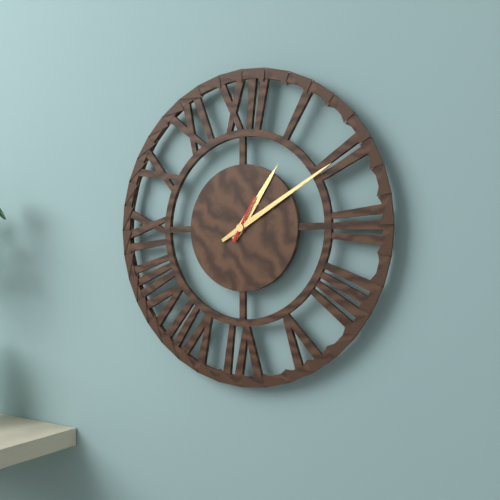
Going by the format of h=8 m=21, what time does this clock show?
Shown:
h=1 m=10
